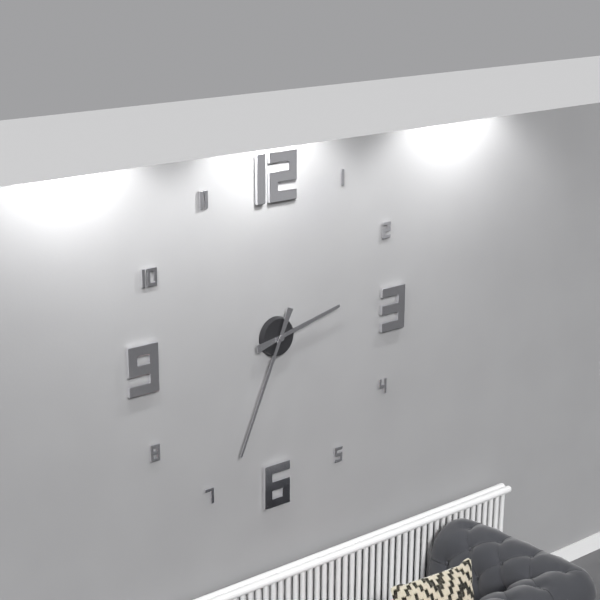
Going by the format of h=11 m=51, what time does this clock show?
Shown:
h=2 m=34
